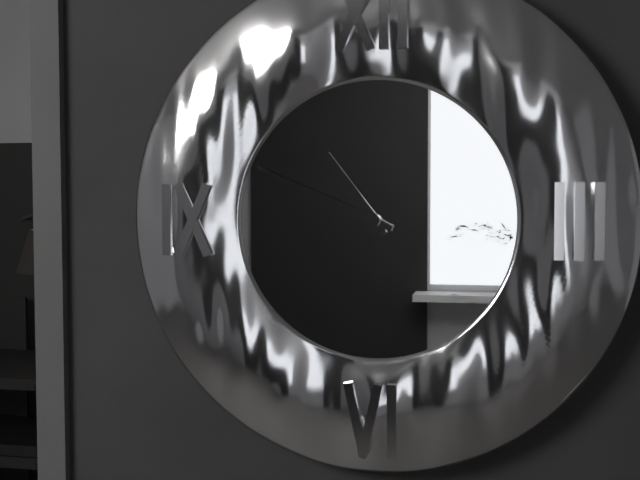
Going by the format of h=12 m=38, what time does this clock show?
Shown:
h=10 m=49
